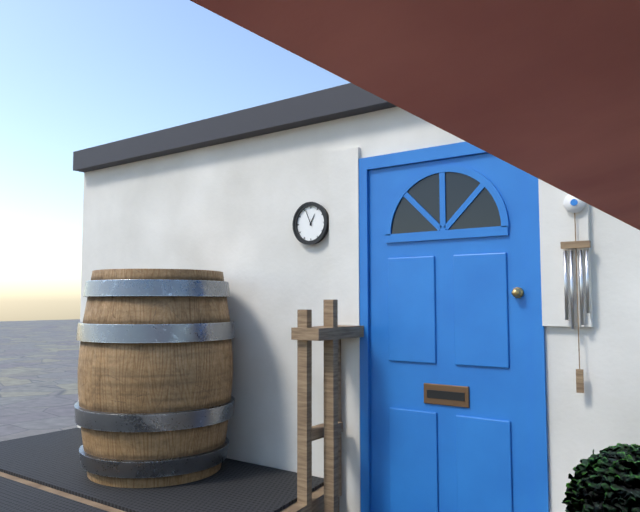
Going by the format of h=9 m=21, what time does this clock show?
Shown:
h=12 m=56
